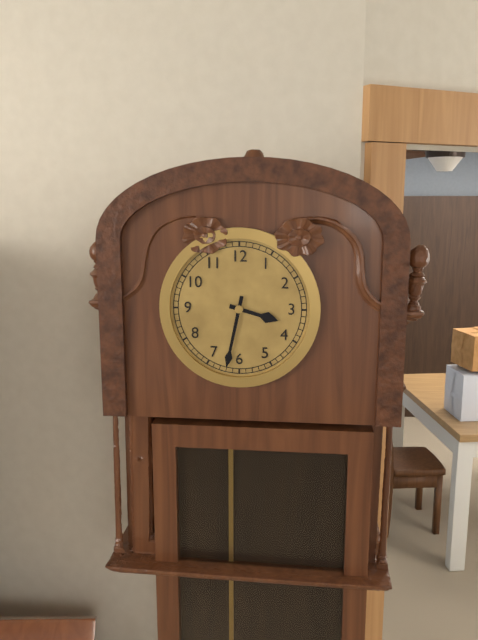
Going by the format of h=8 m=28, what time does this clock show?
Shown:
h=3 m=32
